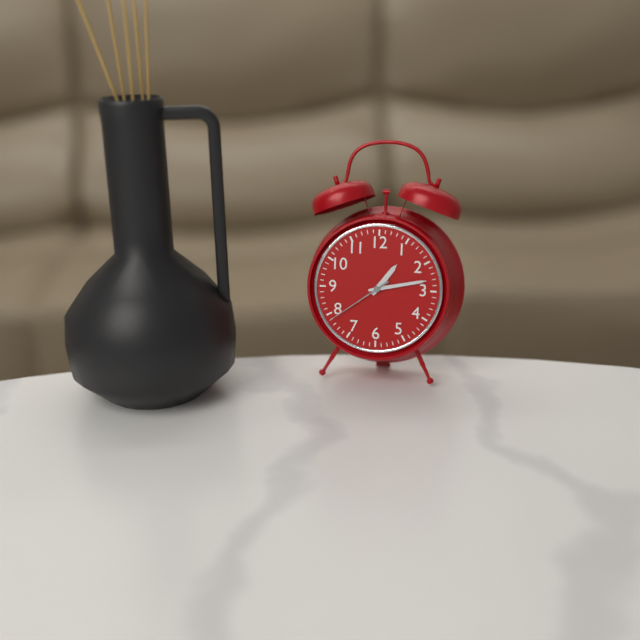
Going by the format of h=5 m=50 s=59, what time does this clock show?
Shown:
h=1 m=13 s=39
